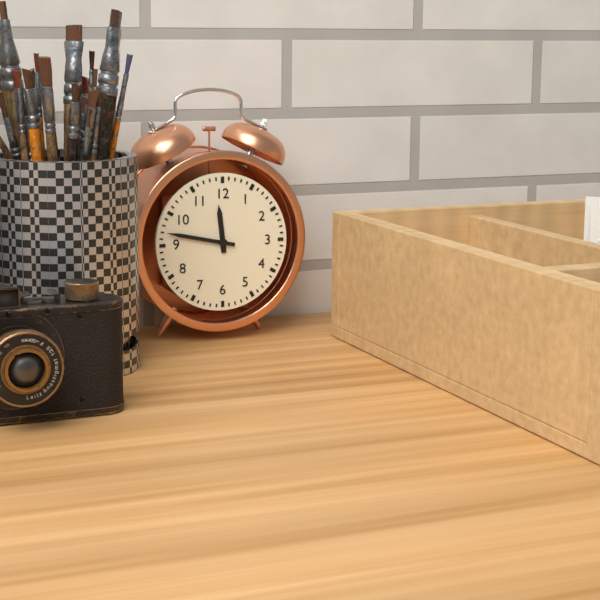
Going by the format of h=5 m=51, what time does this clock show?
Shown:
h=11 m=47
